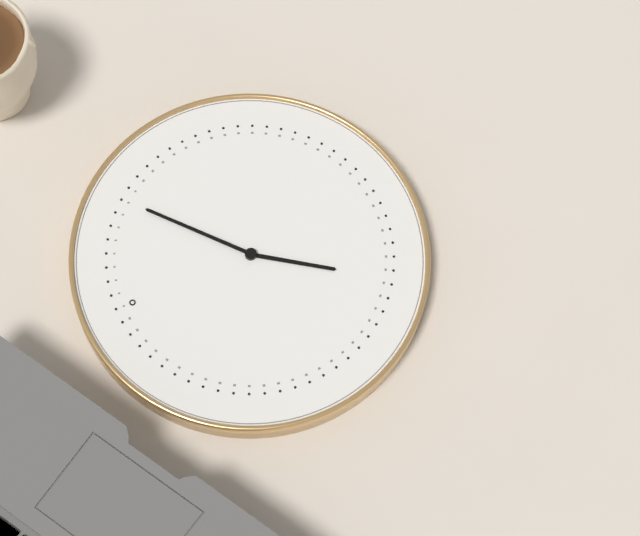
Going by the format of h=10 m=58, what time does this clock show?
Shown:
h=7 m=8
